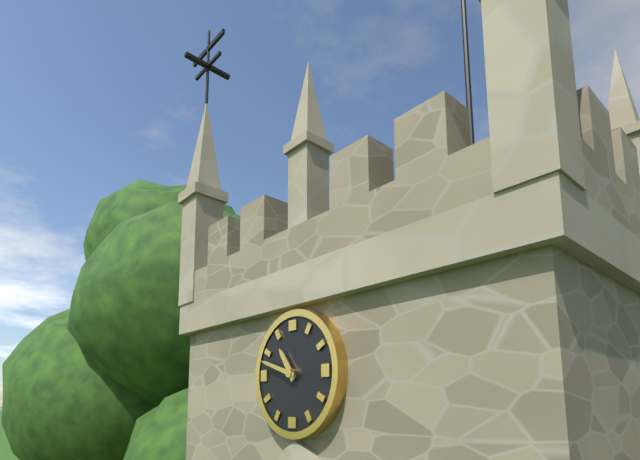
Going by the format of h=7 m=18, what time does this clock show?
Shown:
h=10 m=48
